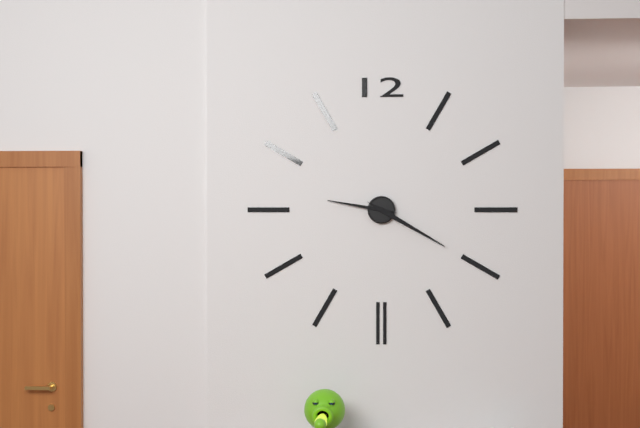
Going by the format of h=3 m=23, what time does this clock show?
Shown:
h=9 m=20
